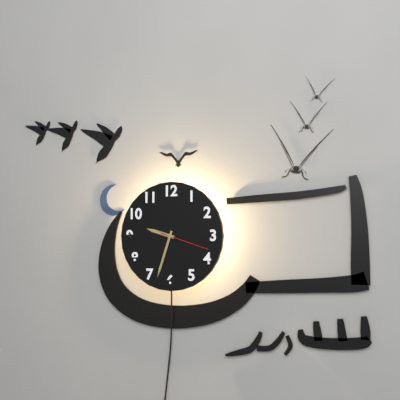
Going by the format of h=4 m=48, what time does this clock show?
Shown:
h=9 m=33
